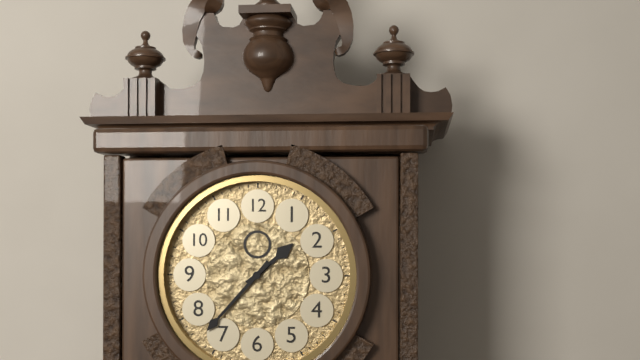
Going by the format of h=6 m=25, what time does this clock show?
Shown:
h=1 m=37
